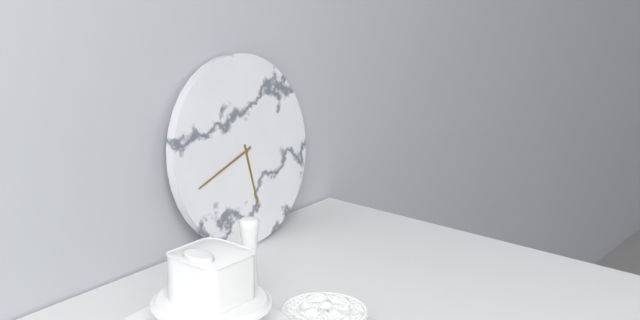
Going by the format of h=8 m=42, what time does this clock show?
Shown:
h=5 m=42
